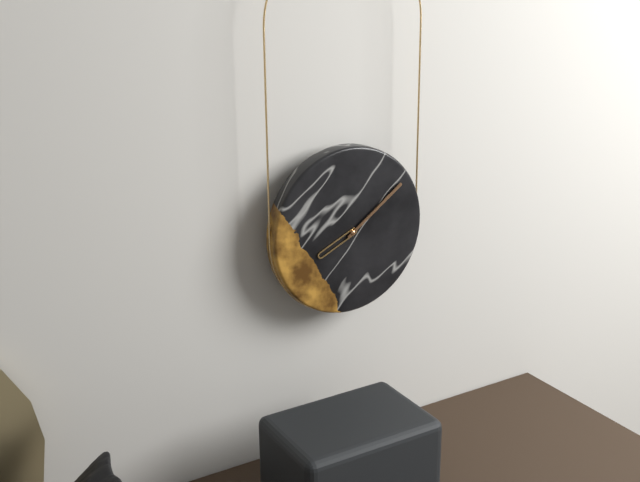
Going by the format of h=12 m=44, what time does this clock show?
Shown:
h=8 m=9
